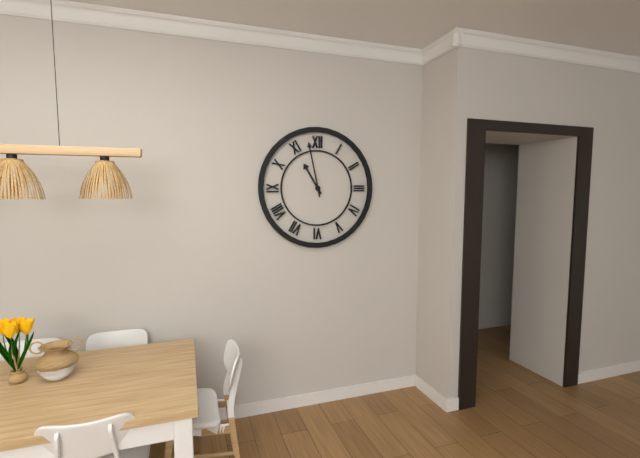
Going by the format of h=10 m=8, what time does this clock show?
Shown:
h=10 m=58
